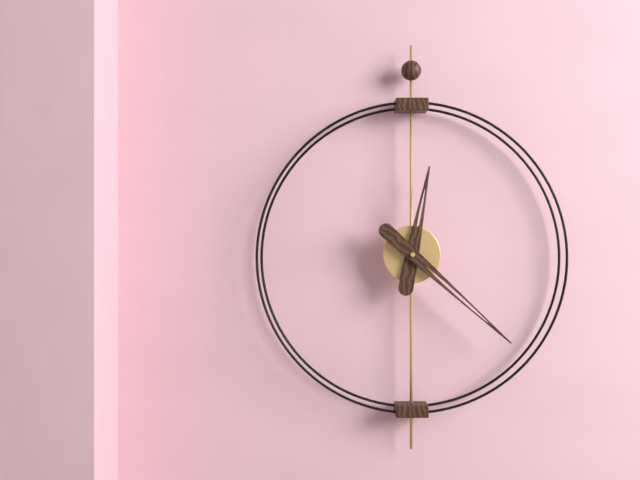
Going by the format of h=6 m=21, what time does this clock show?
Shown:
h=12 m=22
